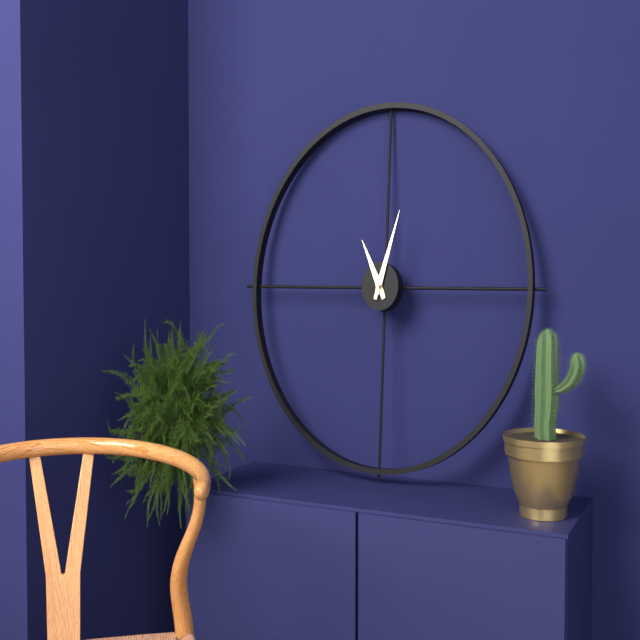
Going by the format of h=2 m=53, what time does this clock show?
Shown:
h=11 m=3
